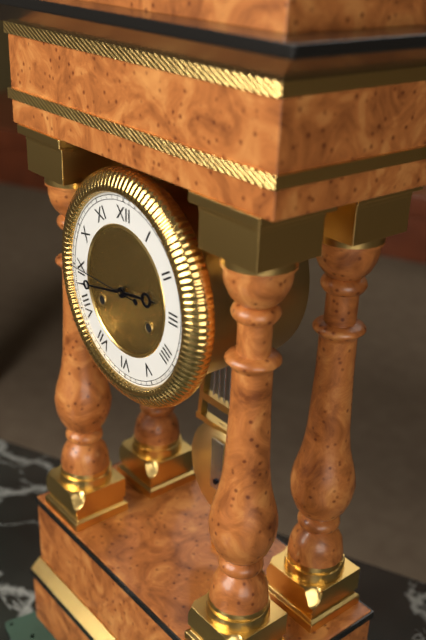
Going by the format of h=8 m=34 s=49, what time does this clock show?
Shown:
h=2 m=43 s=45
